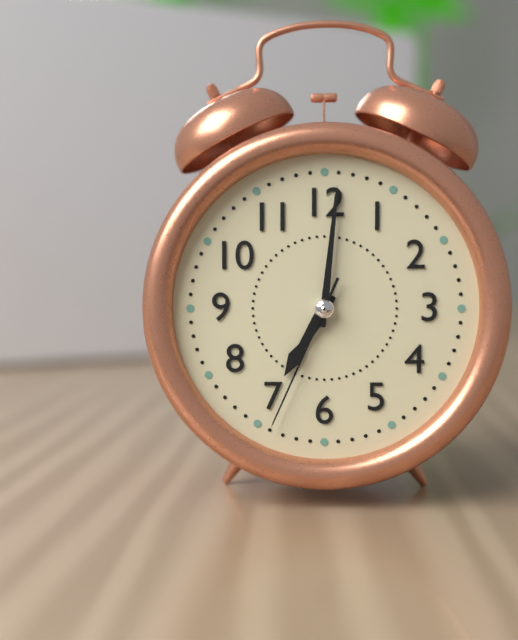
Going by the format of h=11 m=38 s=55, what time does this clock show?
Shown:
h=7 m=1 s=34
